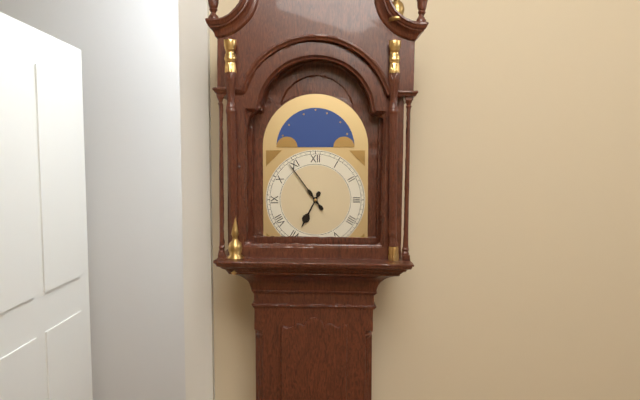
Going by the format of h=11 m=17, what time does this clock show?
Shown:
h=6 m=54
